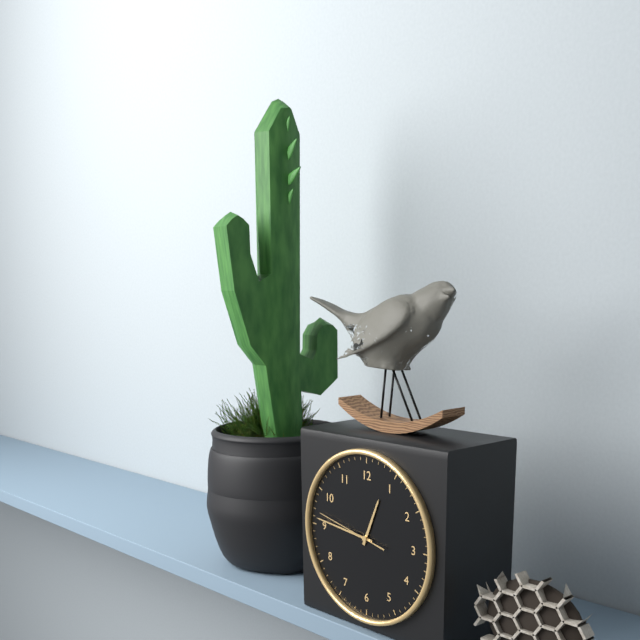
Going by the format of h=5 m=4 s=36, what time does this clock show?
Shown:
h=12 m=46 s=47
